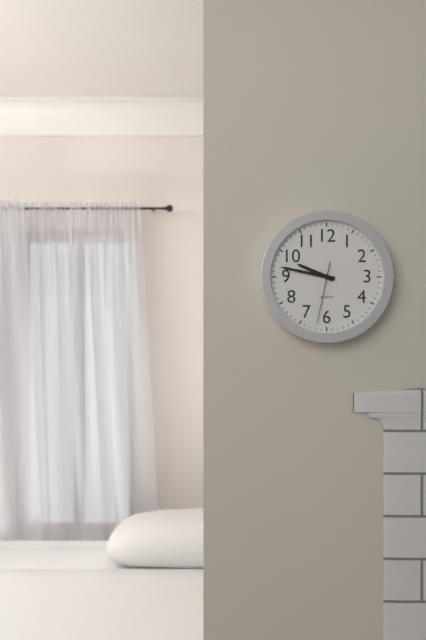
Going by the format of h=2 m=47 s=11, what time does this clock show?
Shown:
h=9 m=47 s=32
